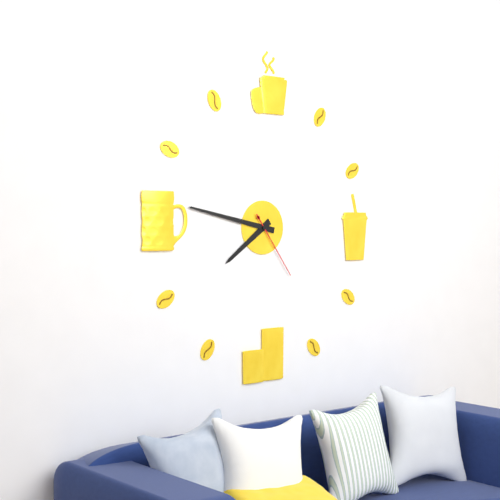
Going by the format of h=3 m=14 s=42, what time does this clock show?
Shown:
h=7 m=47 s=24
